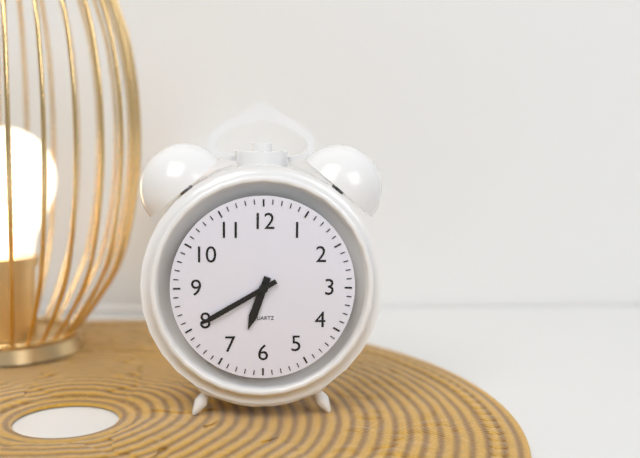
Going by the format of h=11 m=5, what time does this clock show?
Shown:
h=6 m=40
